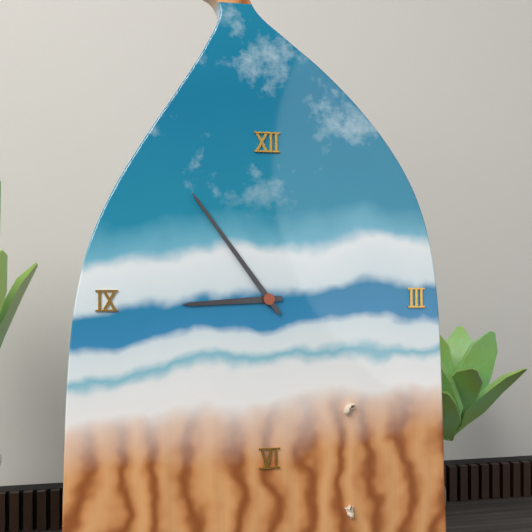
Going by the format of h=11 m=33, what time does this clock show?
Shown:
h=8 m=54
